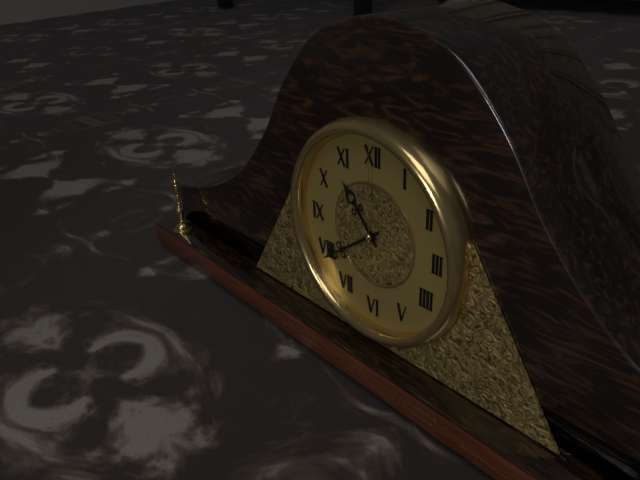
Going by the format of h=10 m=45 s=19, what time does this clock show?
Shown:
h=10 m=39 s=0
